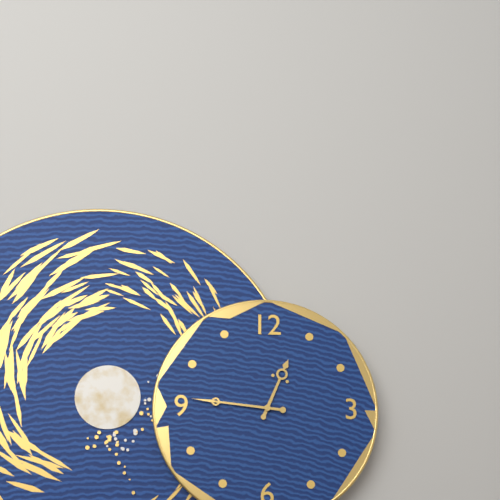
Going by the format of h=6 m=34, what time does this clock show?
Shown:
h=12 m=46
